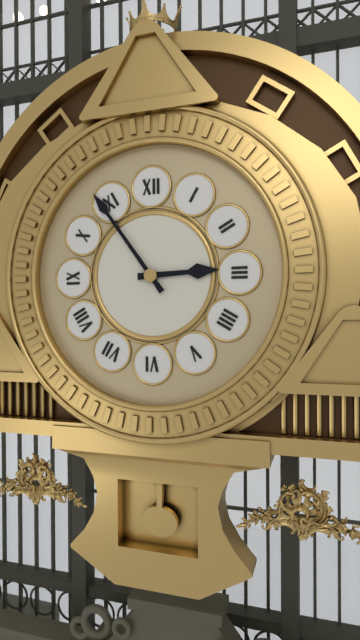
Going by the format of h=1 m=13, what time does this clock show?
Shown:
h=2 m=54
